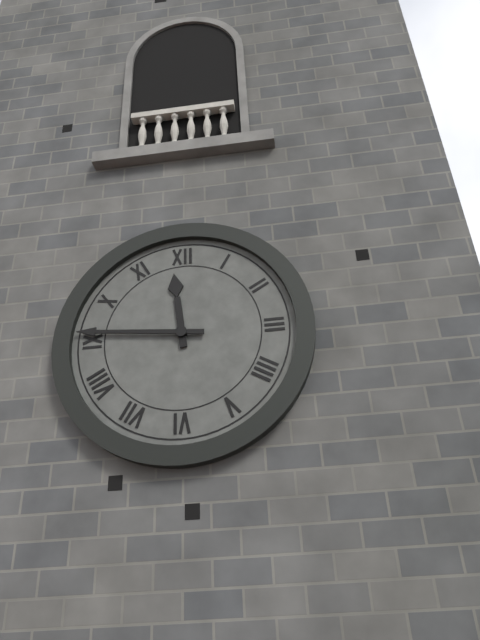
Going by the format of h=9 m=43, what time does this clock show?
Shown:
h=11 m=46
